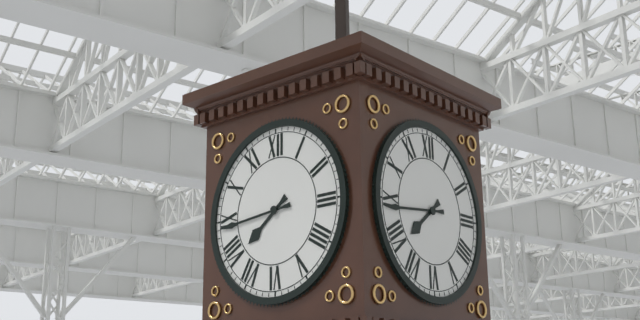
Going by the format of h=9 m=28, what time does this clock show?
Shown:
h=7 m=44
